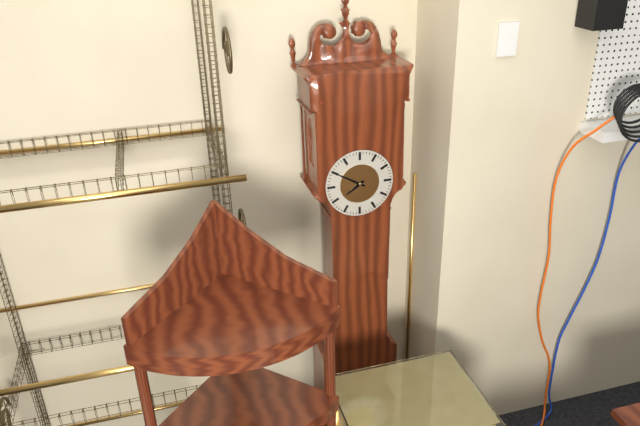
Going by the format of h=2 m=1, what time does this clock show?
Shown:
h=7 m=50
